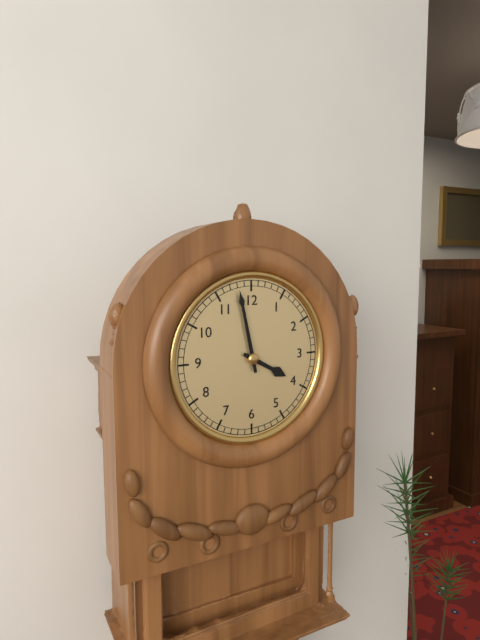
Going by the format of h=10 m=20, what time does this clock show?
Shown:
h=3 m=58
